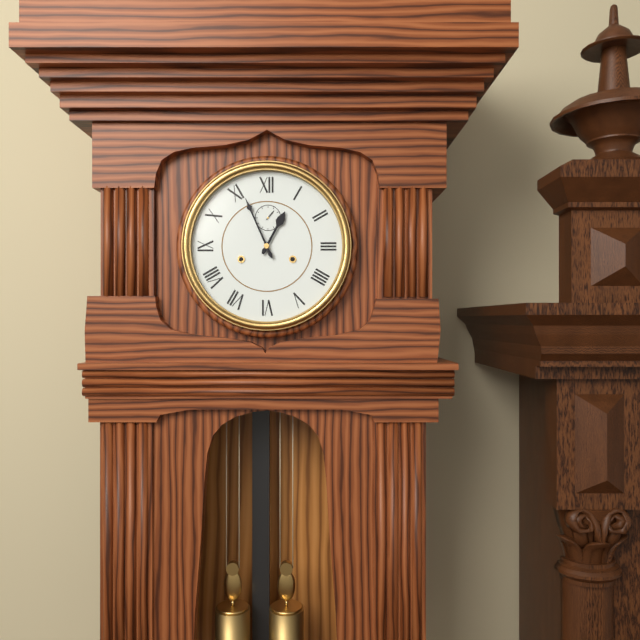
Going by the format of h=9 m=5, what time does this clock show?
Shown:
h=12 m=56
